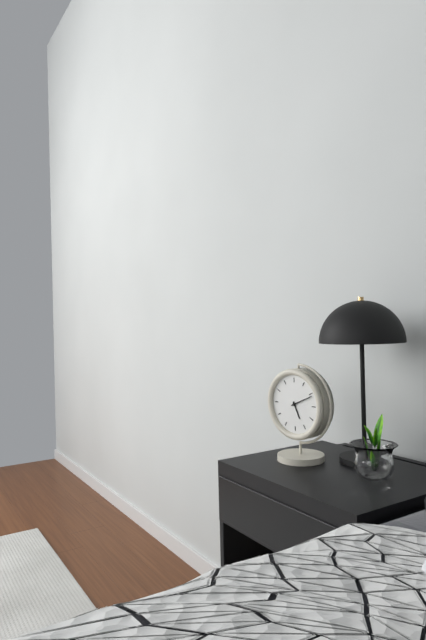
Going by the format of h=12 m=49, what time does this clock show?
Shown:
h=5 m=11
